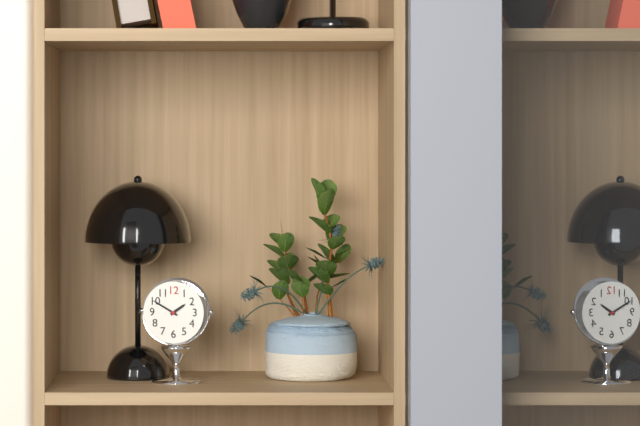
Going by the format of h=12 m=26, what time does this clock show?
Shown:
h=1 m=50
